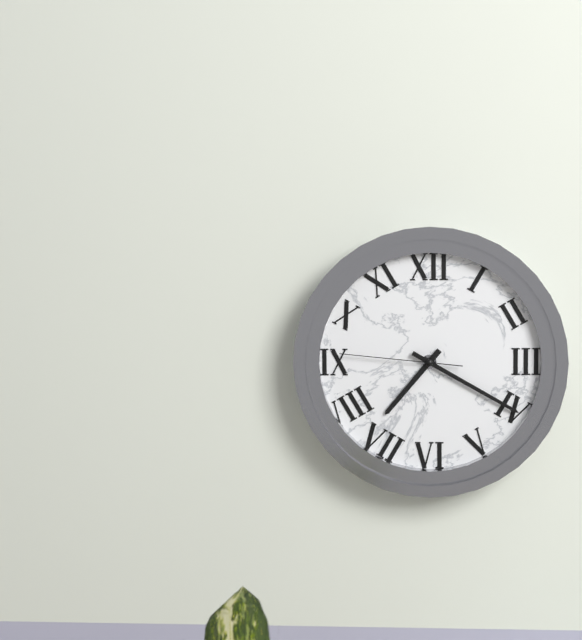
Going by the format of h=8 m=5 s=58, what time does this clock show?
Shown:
h=7 m=20 s=46
